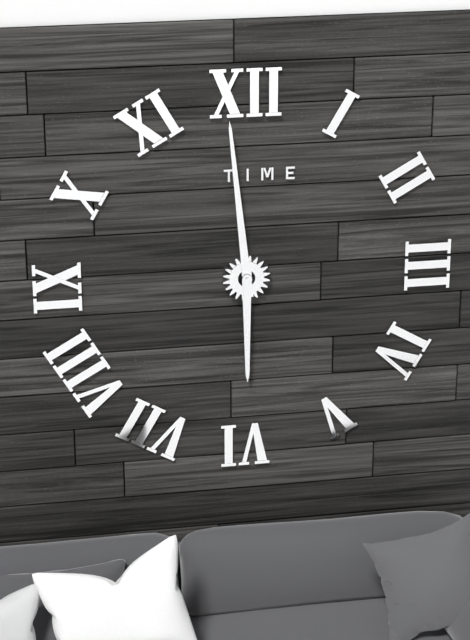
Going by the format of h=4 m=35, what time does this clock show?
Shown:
h=5 m=59
